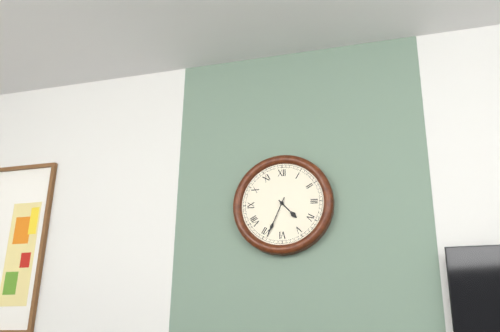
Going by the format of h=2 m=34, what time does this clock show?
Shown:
h=4 m=34
